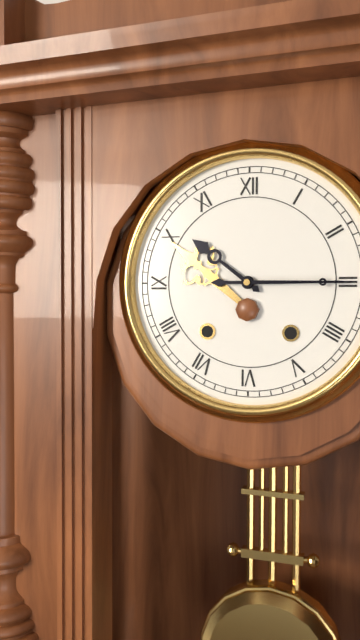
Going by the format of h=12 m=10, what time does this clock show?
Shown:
h=10 m=15
